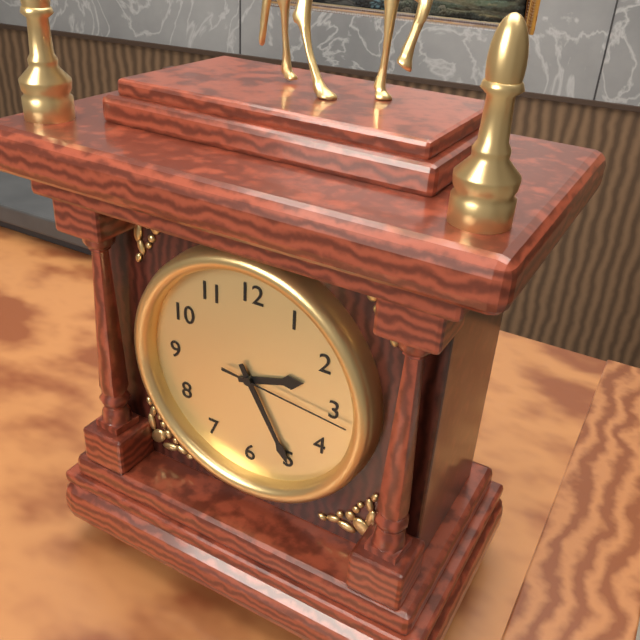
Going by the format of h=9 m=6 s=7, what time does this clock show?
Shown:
h=2 m=25 s=16
